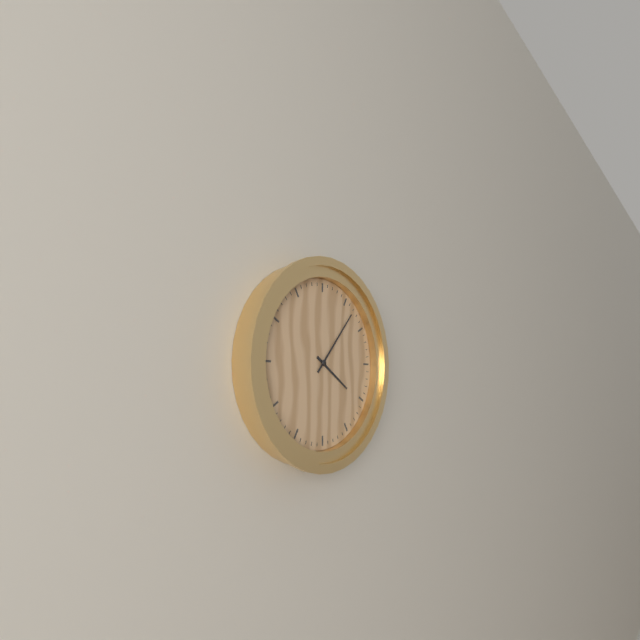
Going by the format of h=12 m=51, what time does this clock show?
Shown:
h=4 m=7
